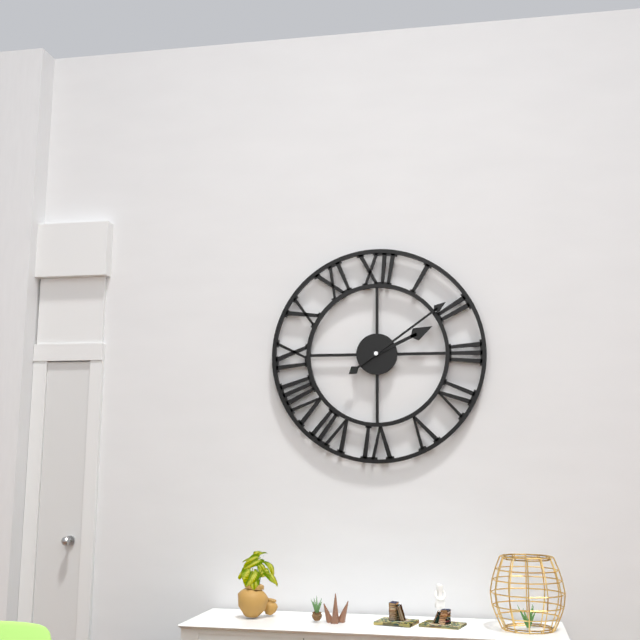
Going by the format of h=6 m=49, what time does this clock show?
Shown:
h=2 m=9
